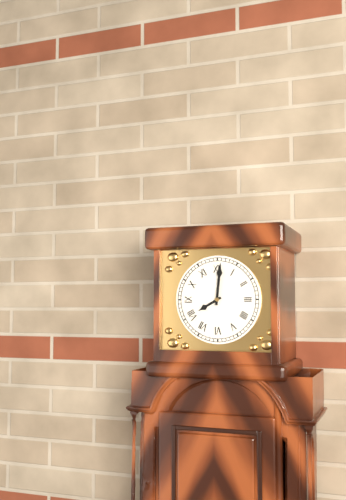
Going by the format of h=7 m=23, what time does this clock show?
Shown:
h=8 m=1
